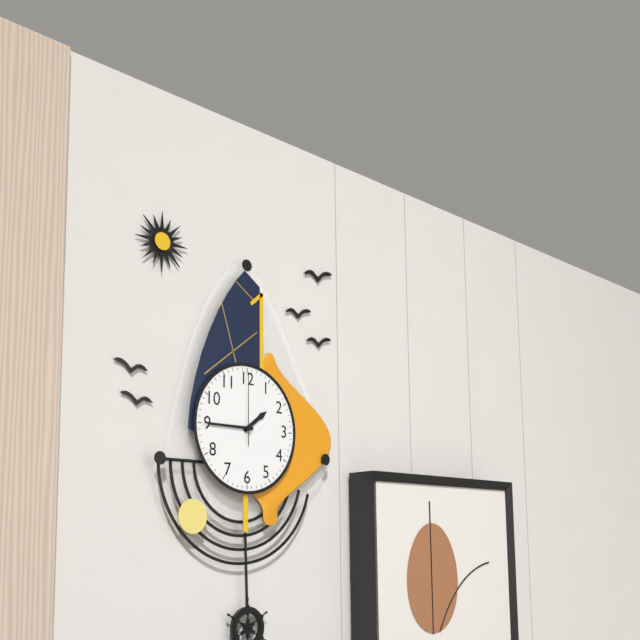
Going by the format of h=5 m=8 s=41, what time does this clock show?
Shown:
h=1 m=45 s=0
